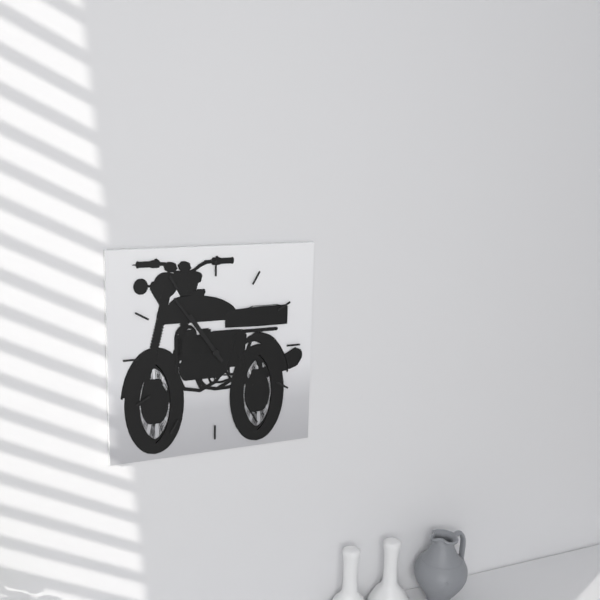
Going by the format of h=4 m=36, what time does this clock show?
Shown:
h=10 m=54
